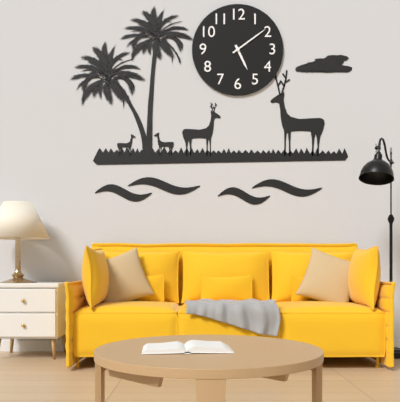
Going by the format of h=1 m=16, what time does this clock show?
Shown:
h=5 m=9
